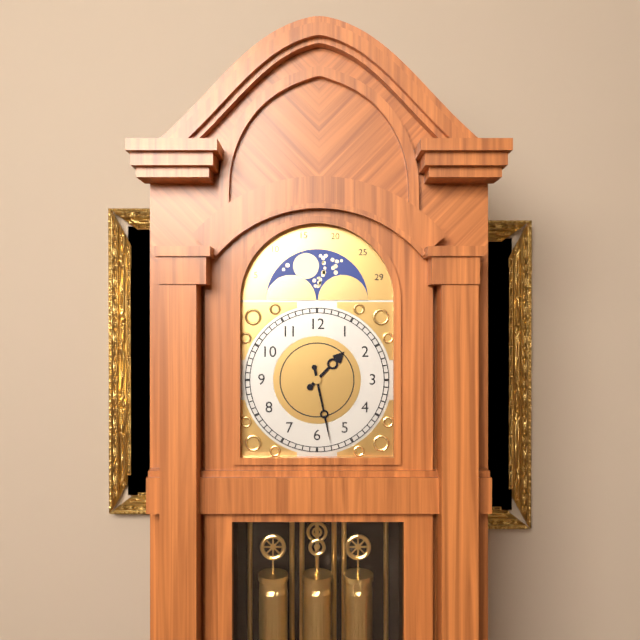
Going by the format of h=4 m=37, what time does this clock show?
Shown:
h=1 m=28
